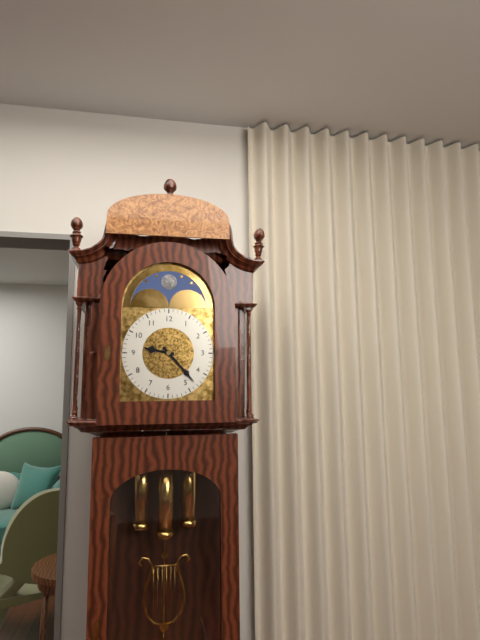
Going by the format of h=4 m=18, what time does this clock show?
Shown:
h=9 m=23
